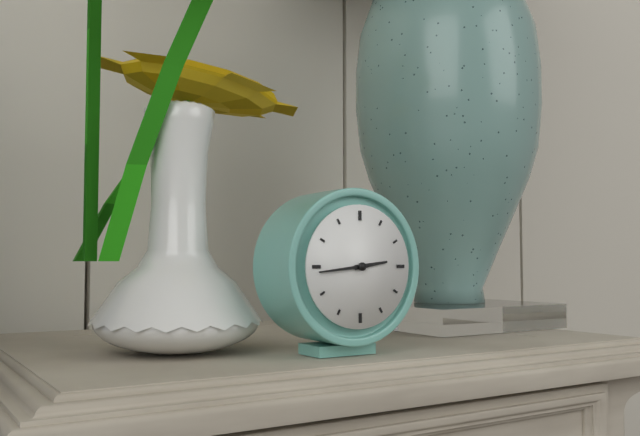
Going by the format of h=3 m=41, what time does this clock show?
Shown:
h=2 m=44
